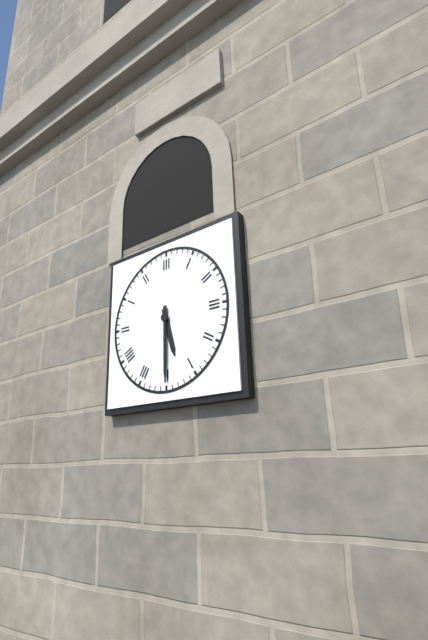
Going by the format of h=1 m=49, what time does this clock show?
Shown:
h=5 m=30
